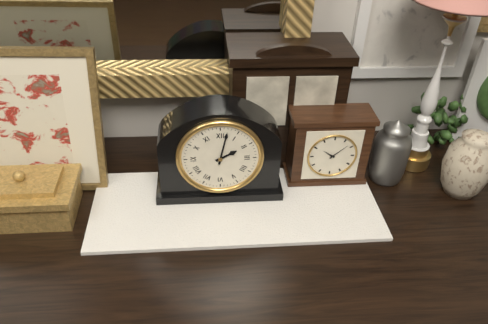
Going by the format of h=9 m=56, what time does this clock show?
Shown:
h=2 m=2
